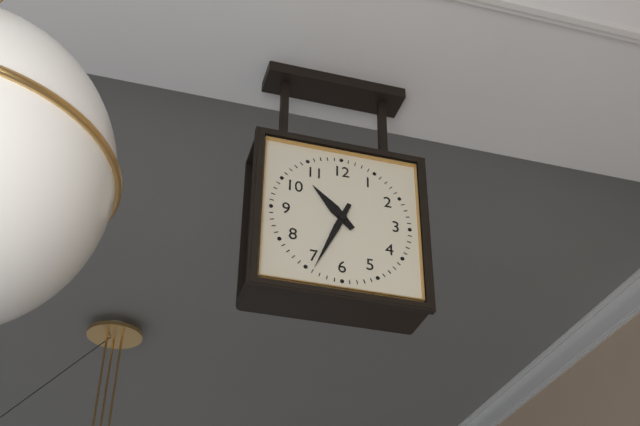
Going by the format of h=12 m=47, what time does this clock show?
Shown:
h=10 m=34
